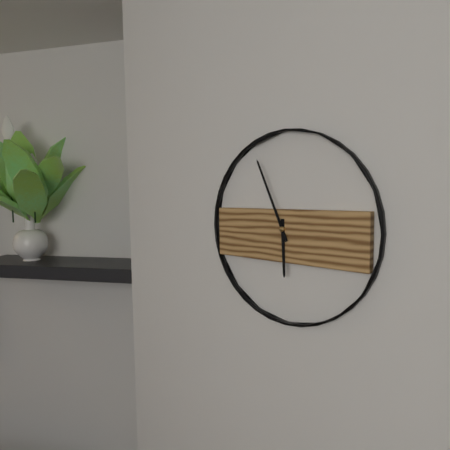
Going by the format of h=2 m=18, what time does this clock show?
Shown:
h=5 m=56
